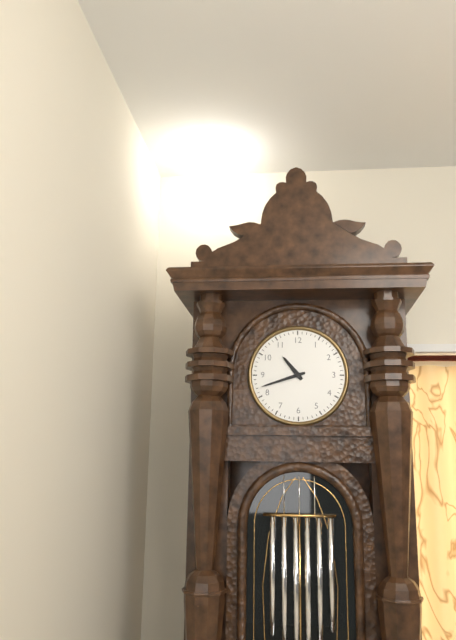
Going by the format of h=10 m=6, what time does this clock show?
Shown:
h=10 m=42
